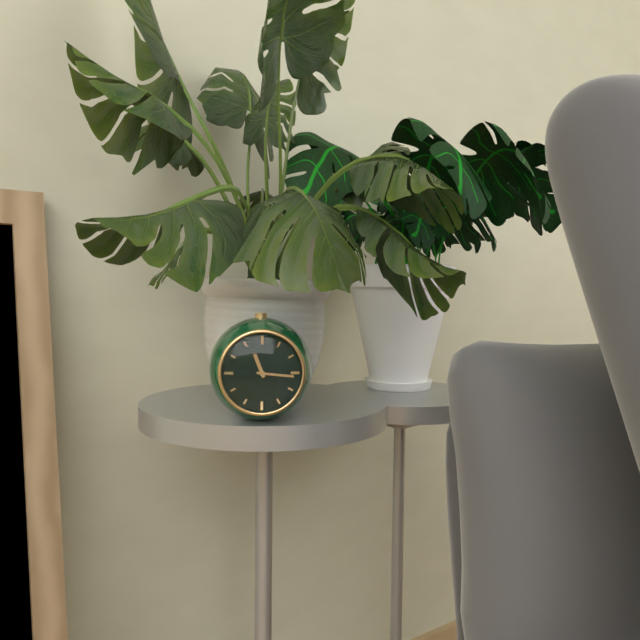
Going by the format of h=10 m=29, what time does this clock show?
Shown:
h=11 m=16
